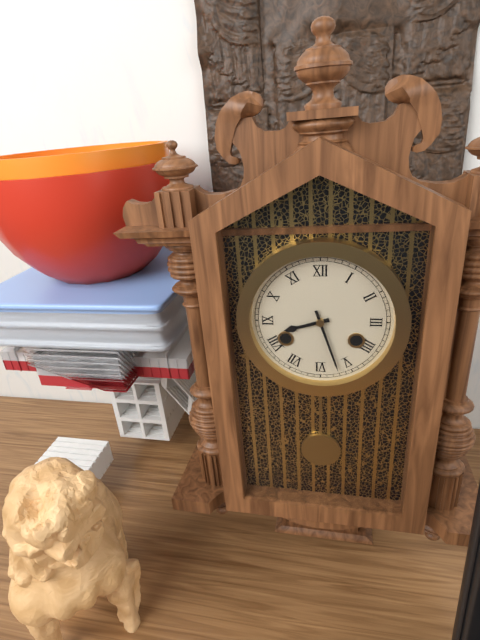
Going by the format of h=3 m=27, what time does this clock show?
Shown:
h=8 m=27
